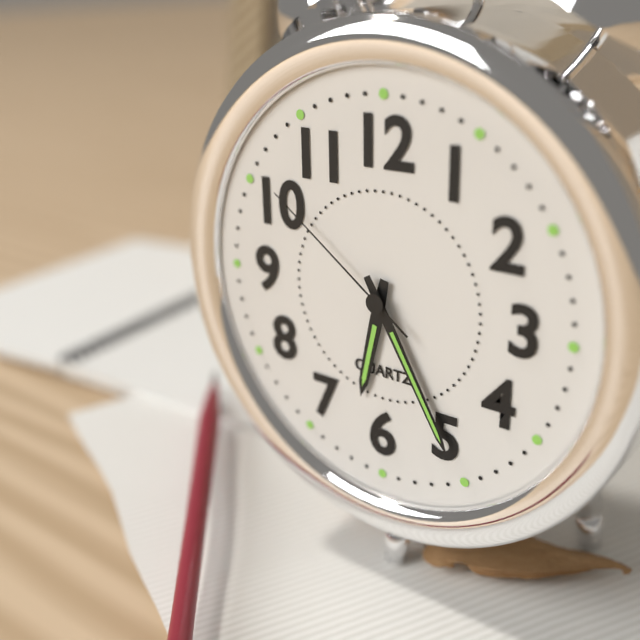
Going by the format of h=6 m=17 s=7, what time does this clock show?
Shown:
h=6 m=25 s=51
